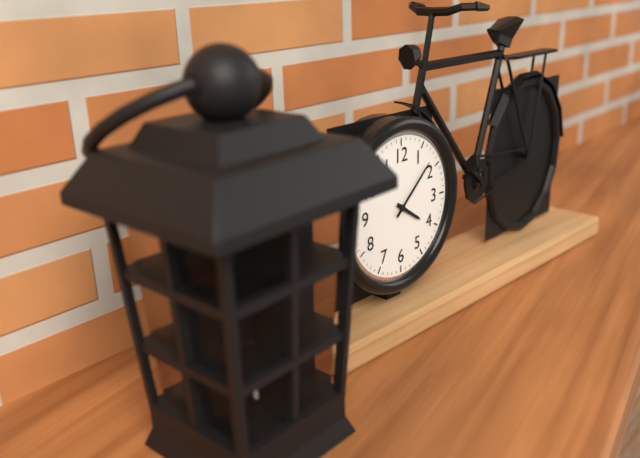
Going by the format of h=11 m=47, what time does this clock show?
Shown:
h=4 m=8
